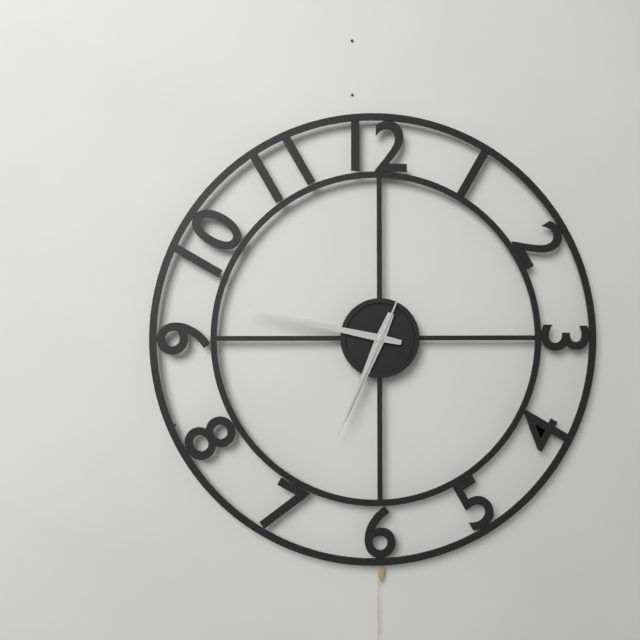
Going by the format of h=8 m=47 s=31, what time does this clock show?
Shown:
h=6 m=47 s=34
